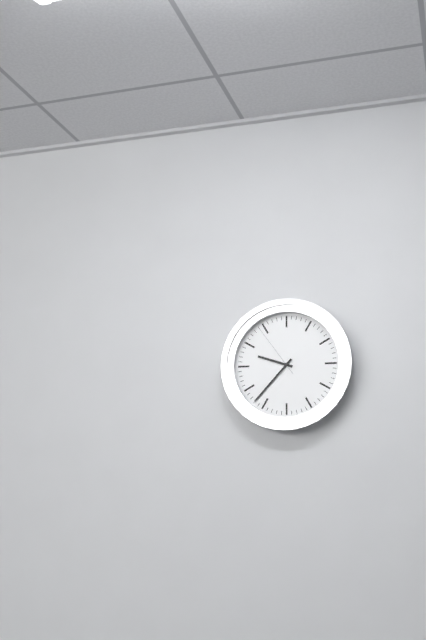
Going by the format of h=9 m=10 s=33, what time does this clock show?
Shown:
h=9 m=37 s=54
